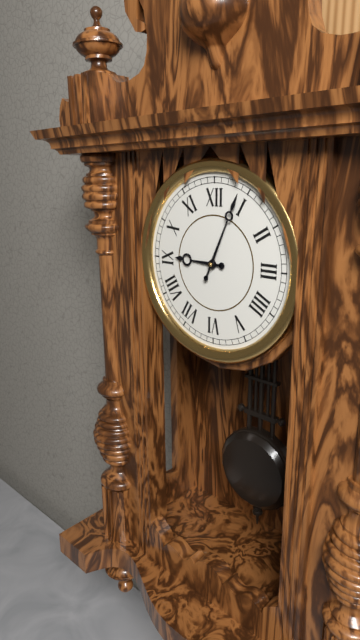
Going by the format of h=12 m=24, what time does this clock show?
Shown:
h=9 m=4
